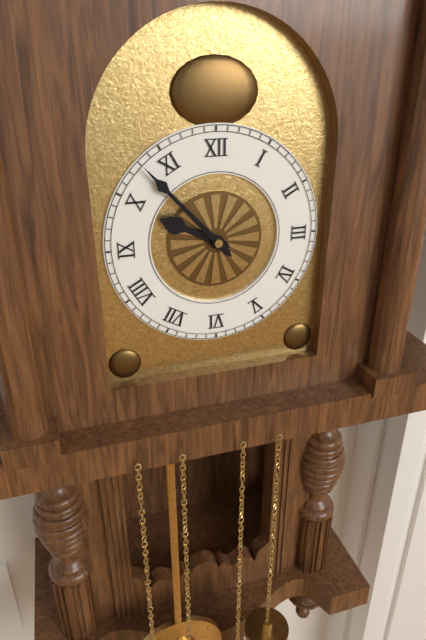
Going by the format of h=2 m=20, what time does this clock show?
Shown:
h=9 m=53
